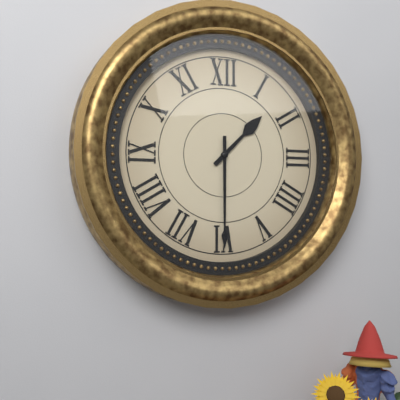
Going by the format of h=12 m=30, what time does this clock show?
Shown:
h=1 m=30
